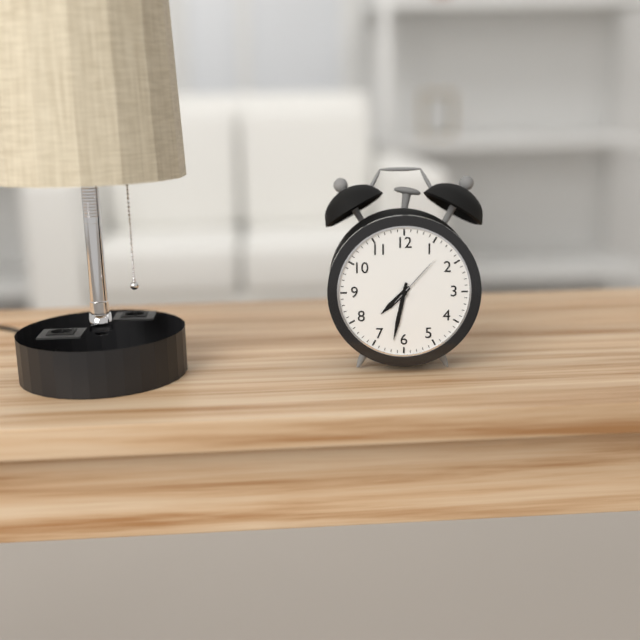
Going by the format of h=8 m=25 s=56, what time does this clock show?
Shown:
h=7 m=32 s=7
